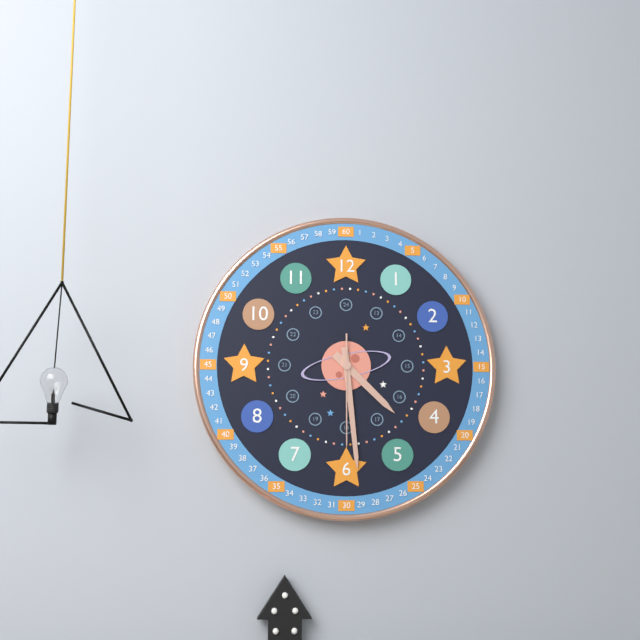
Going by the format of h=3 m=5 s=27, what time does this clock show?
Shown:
h=4 m=29 s=30
